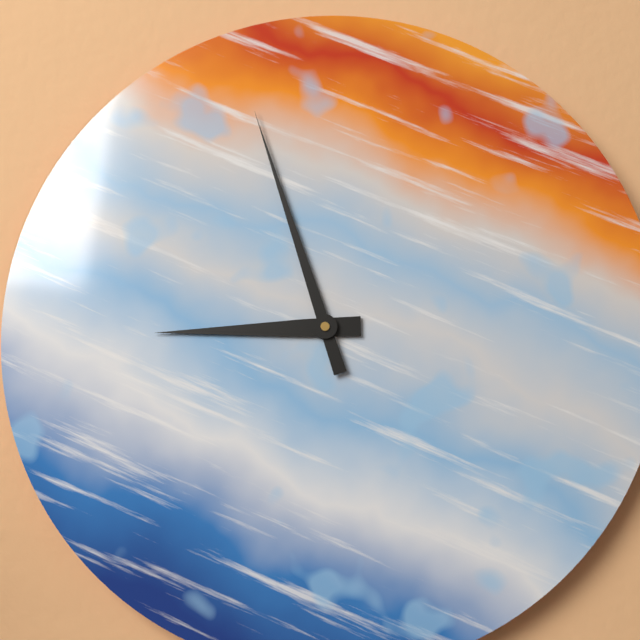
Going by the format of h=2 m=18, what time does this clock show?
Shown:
h=8 m=57
